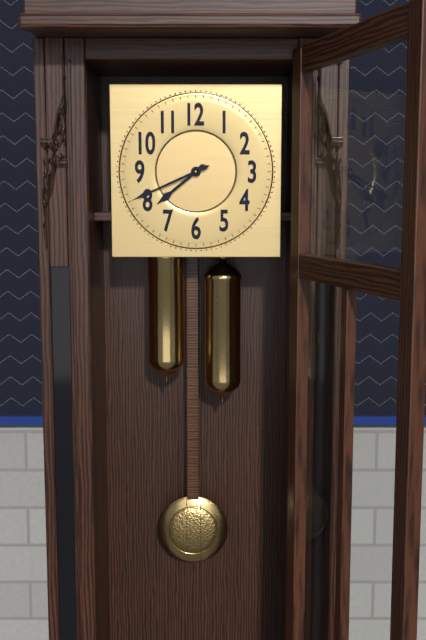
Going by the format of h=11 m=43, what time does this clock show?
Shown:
h=7 m=41
